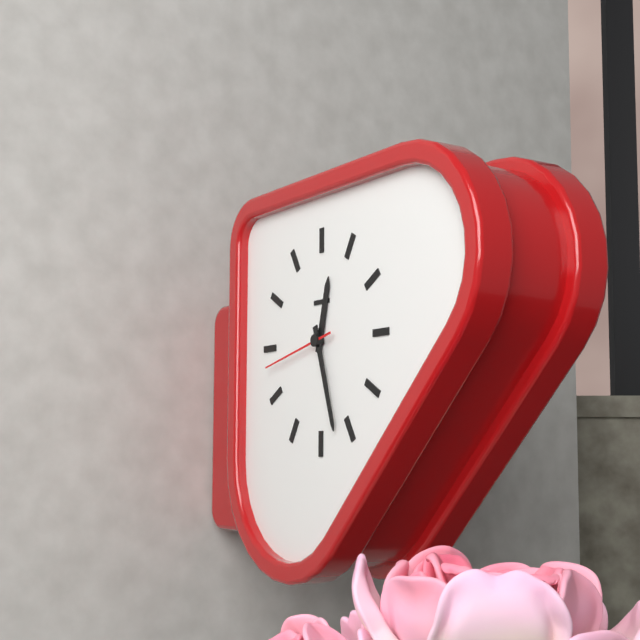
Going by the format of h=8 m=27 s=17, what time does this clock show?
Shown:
h=12 m=27 s=43
